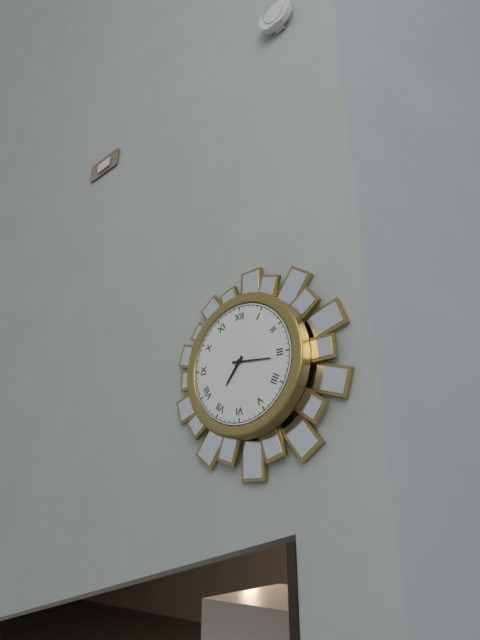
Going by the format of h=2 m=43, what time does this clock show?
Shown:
h=7 m=16
